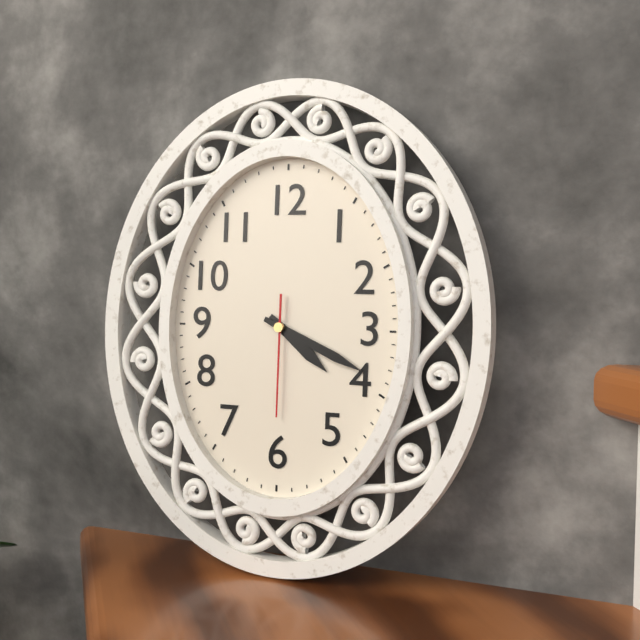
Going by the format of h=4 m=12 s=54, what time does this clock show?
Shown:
h=4 m=19 s=30
